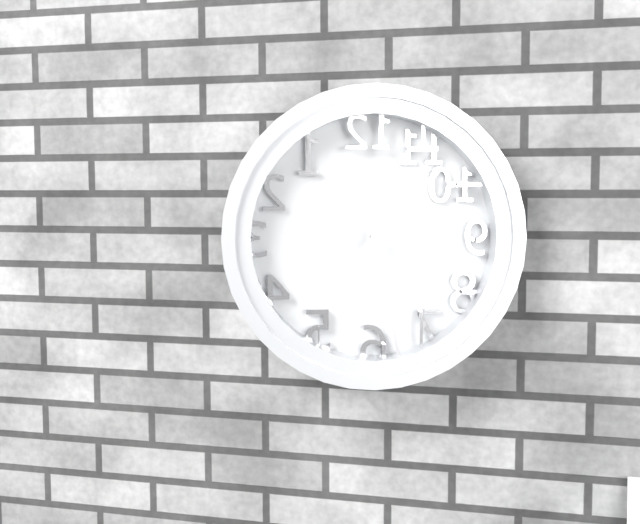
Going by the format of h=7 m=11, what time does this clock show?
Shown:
h=1 m=28
